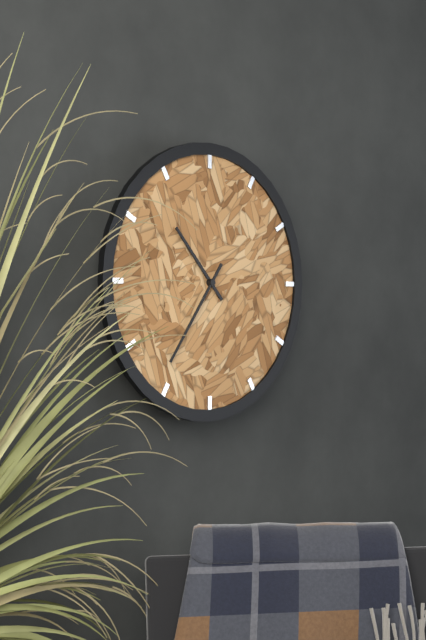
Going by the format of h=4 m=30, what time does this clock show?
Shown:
h=10 m=36
